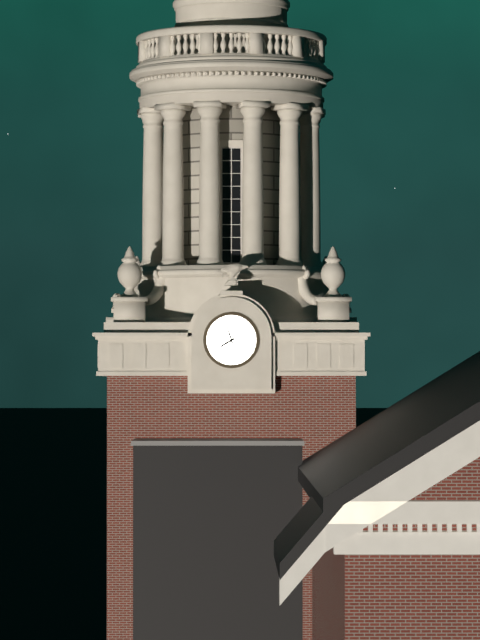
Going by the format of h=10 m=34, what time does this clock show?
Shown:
h=7 m=57
